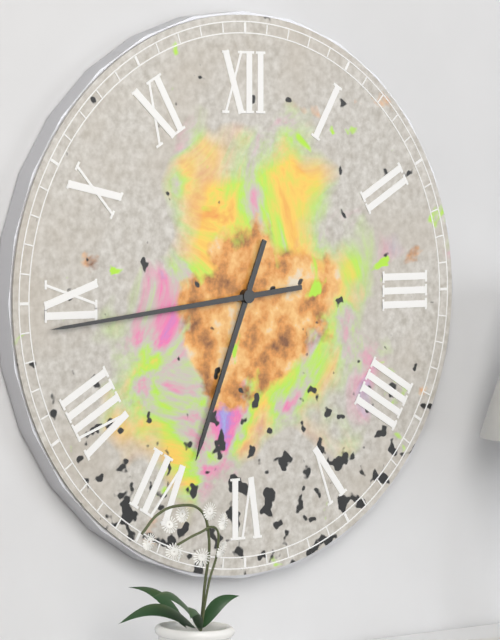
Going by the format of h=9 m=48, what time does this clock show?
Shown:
h=6 m=44
